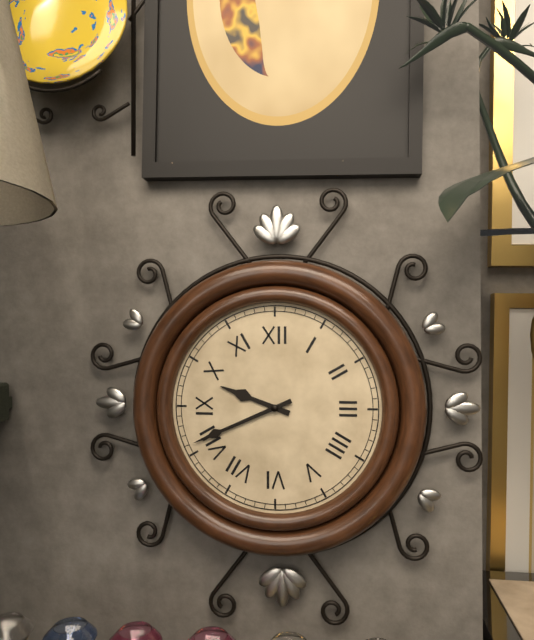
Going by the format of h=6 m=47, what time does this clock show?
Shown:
h=9 m=41
